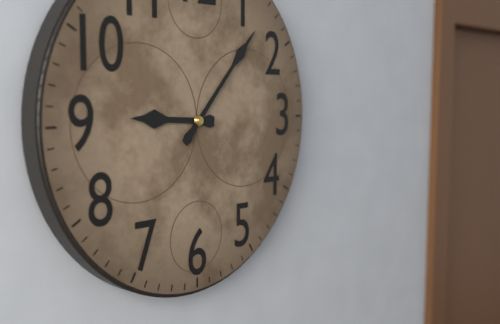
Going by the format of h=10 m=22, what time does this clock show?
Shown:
h=9 m=7
